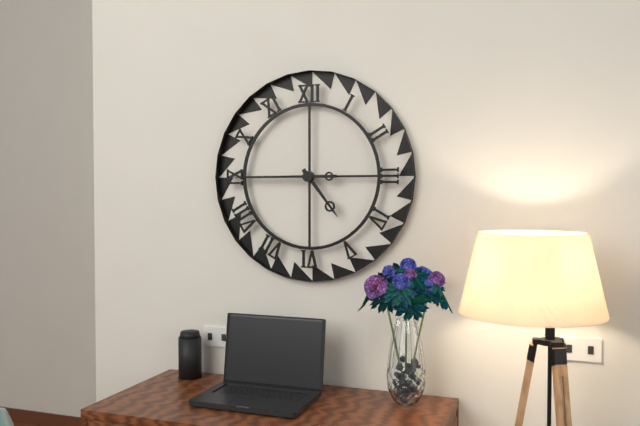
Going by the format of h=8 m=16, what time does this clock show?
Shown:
h=4 m=45
